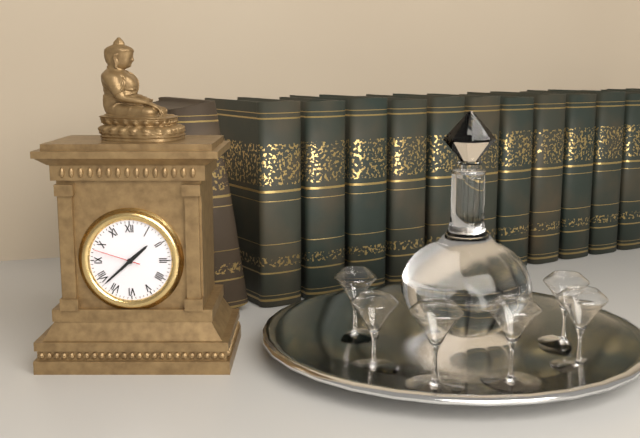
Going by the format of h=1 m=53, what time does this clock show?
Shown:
h=1 m=38
